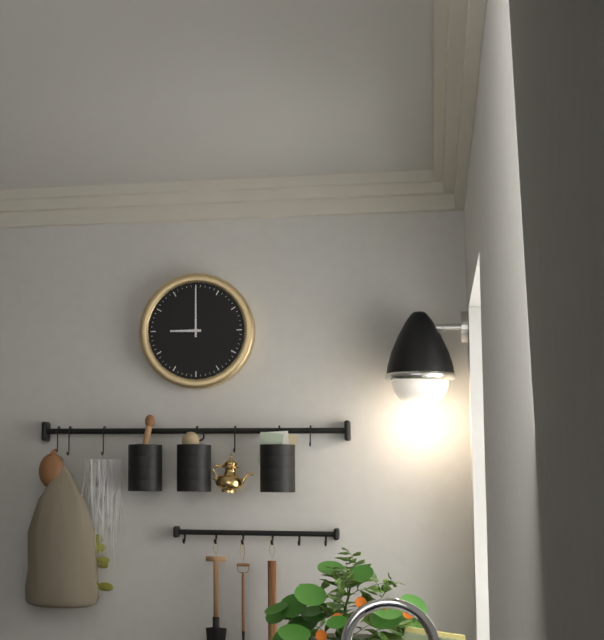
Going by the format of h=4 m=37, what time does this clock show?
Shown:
h=9 m=0
